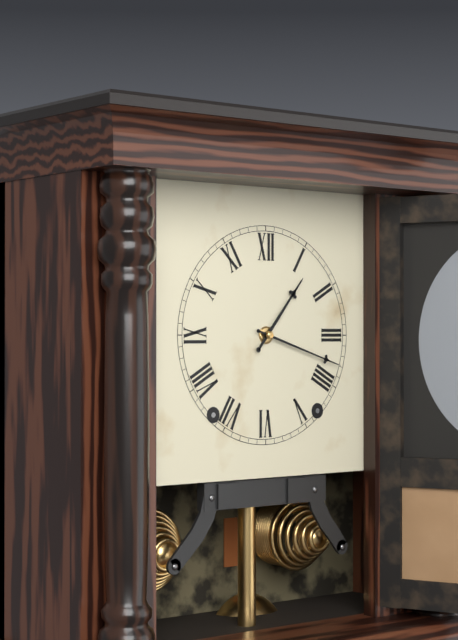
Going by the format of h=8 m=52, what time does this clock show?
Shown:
h=1 m=18
